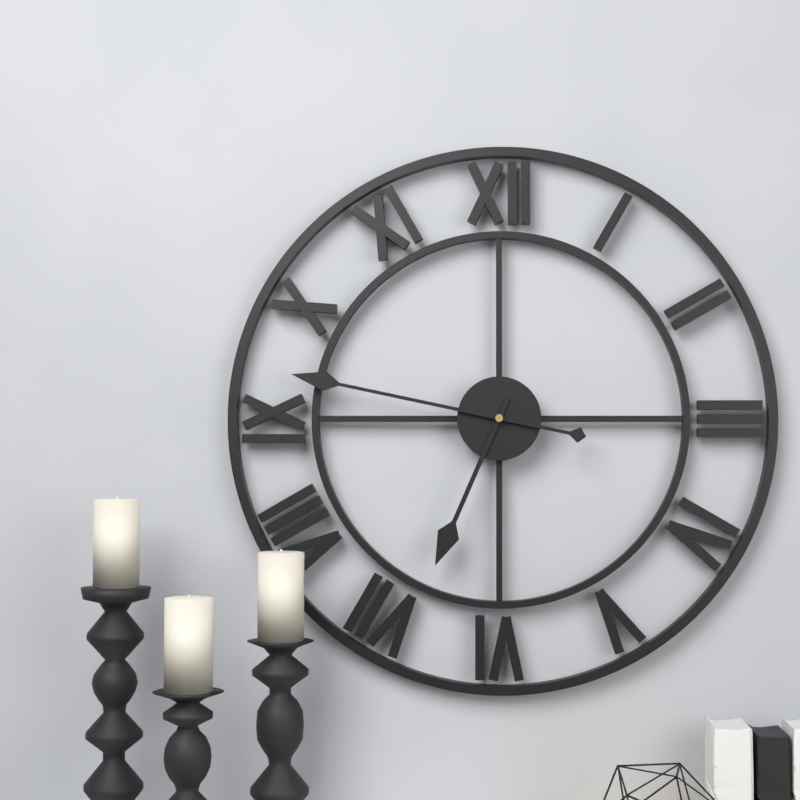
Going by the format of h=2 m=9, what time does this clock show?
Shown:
h=6 m=47
